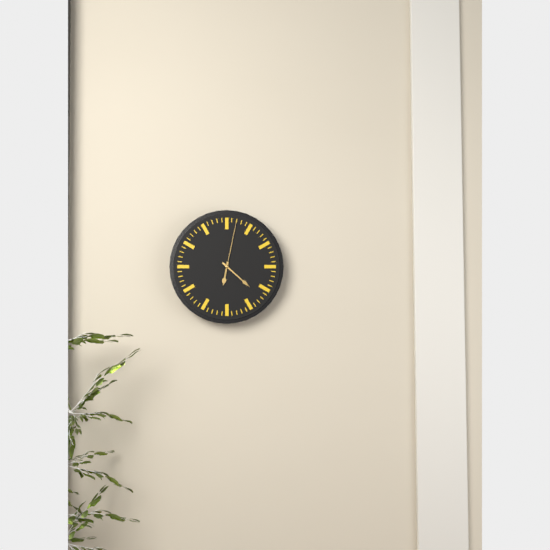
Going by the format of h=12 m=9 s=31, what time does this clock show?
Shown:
h=6 m=22 s=2
